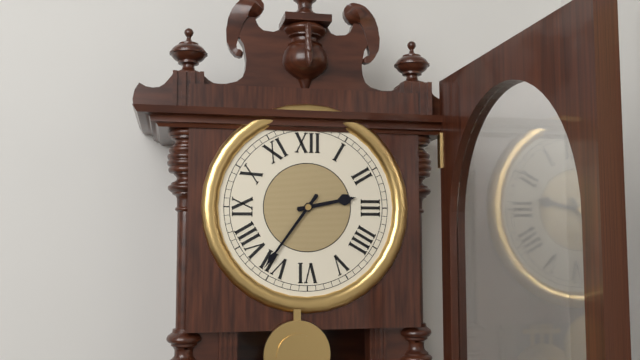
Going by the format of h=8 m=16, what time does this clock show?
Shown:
h=2 m=36
